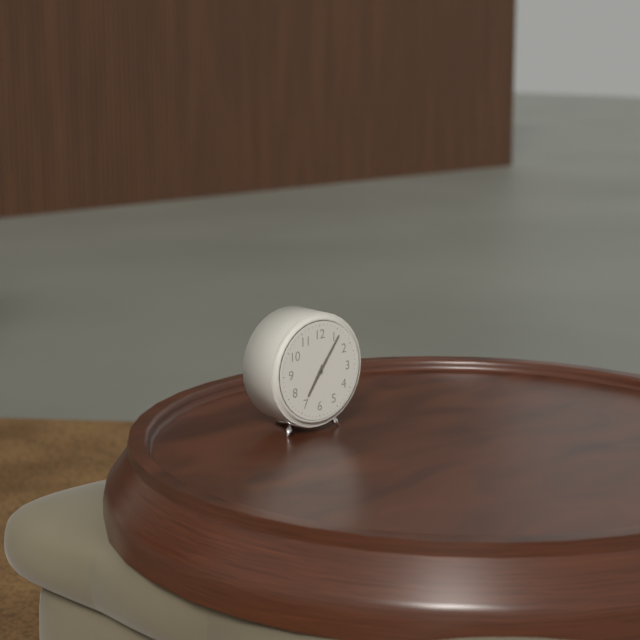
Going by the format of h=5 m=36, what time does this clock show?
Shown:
h=7 m=6
